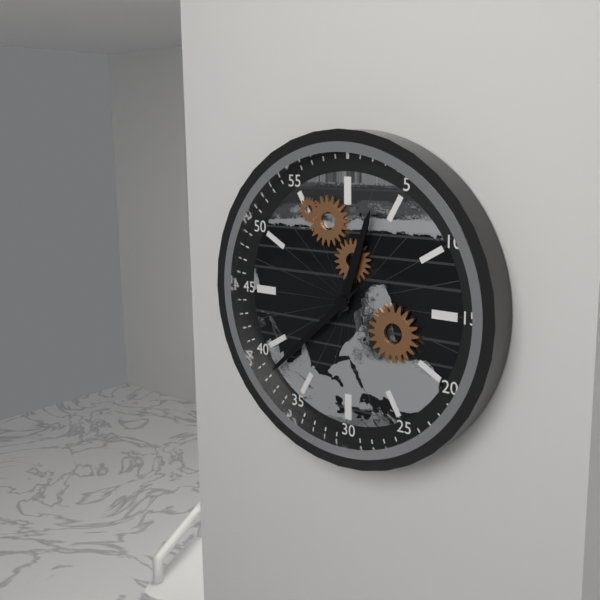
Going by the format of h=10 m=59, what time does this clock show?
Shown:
h=12 m=38
